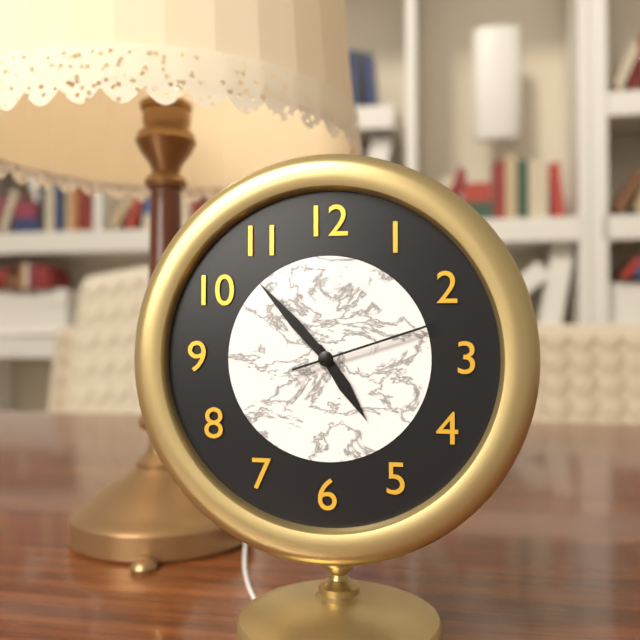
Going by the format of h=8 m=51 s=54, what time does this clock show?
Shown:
h=4 m=53 s=12
